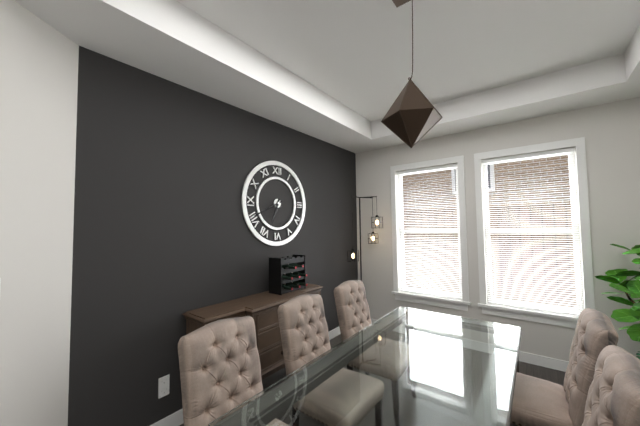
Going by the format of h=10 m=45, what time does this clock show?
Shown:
h=6 m=41
